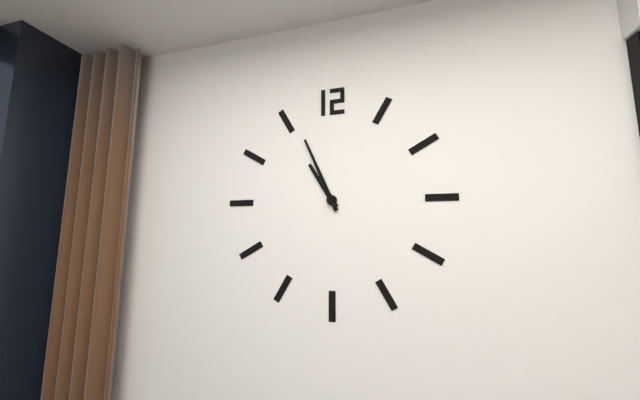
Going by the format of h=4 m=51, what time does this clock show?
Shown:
h=10 m=56
